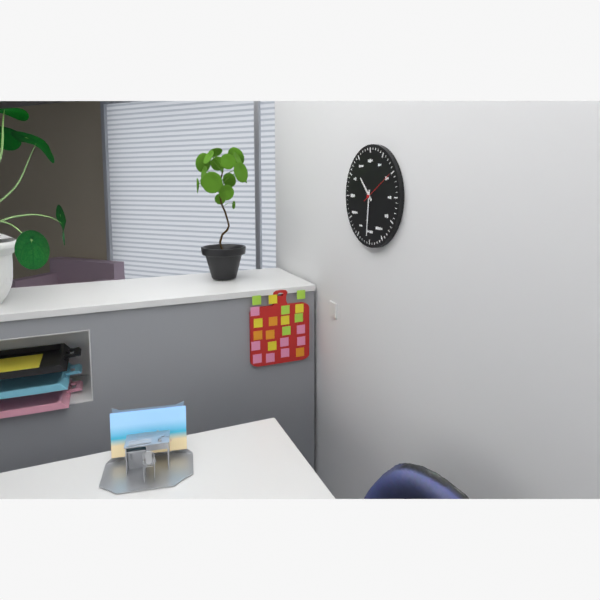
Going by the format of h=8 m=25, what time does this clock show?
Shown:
h=10 m=31
